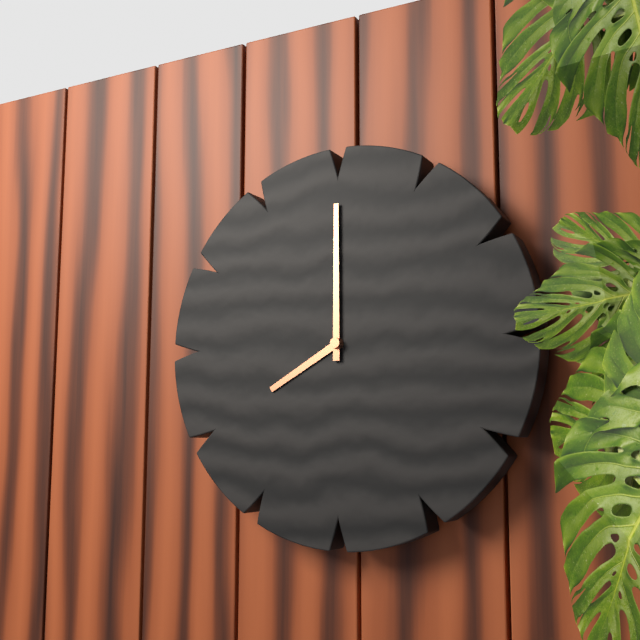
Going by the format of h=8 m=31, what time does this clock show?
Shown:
h=8 m=0
